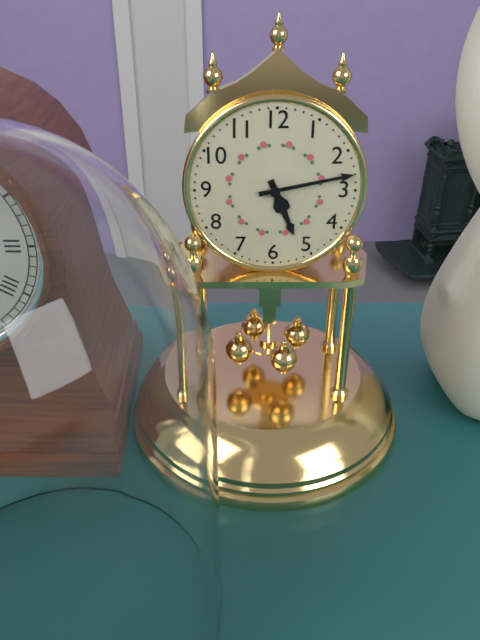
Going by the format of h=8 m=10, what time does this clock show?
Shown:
h=5 m=13
